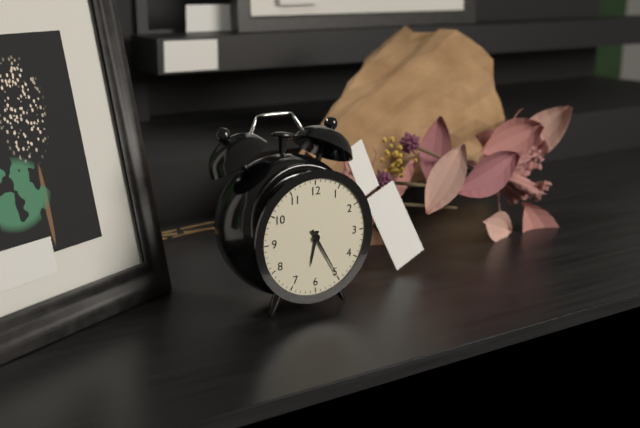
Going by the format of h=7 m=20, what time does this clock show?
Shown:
h=6 m=25
